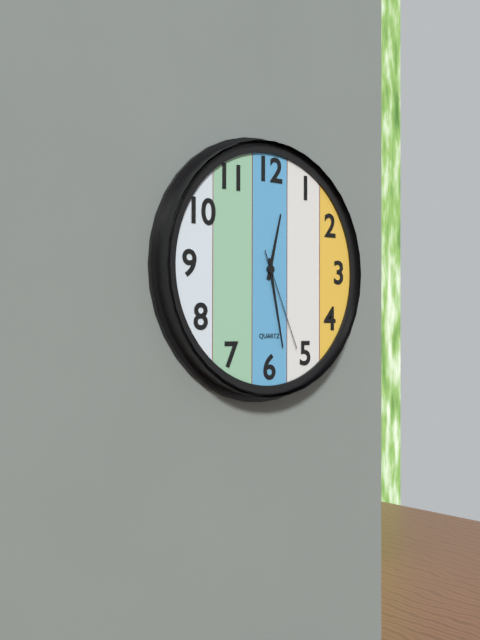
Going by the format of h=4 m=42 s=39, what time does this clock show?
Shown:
h=12 m=28 s=26
